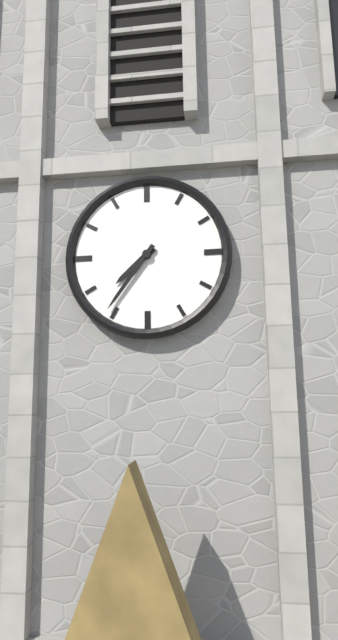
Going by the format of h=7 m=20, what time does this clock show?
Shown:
h=7 m=36
